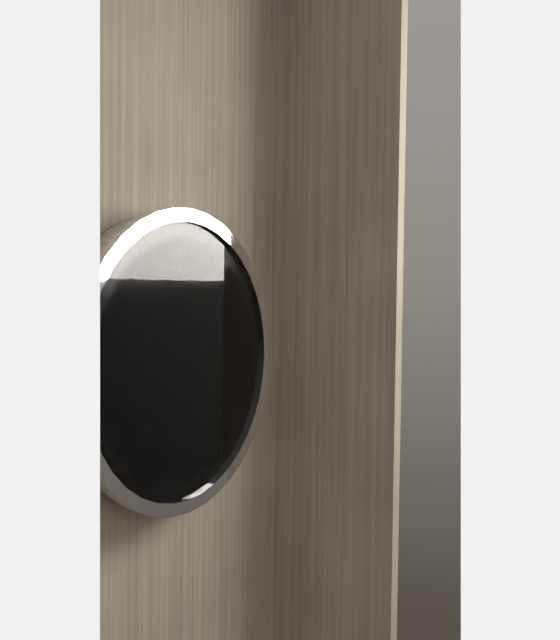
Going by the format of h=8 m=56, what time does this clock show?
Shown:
h=10 m=9
